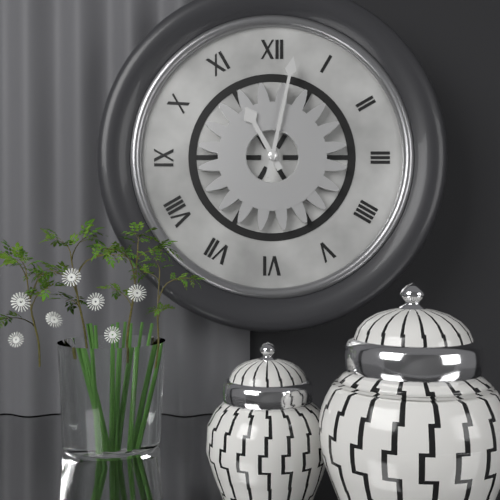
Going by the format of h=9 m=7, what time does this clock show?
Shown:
h=11 m=2
